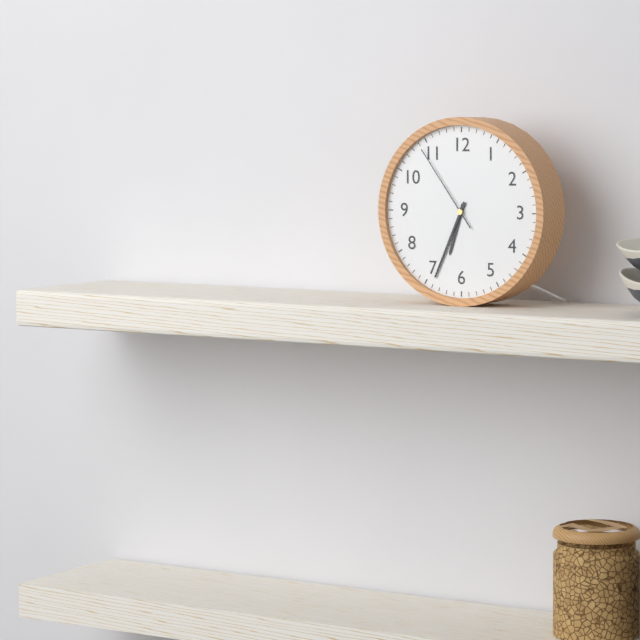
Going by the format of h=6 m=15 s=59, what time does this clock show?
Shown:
h=6 m=34 s=54
